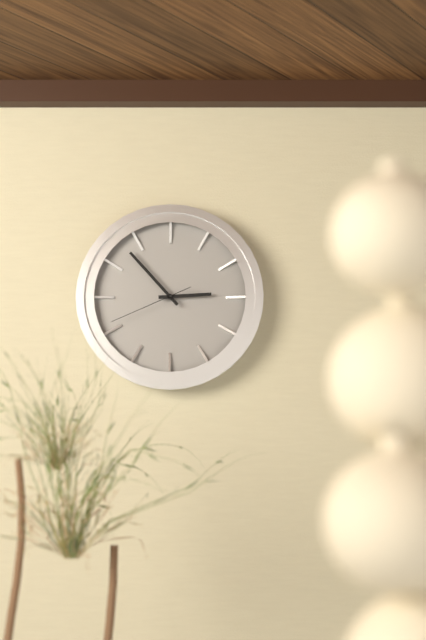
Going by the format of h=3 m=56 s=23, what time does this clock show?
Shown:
h=2 m=53 s=41
